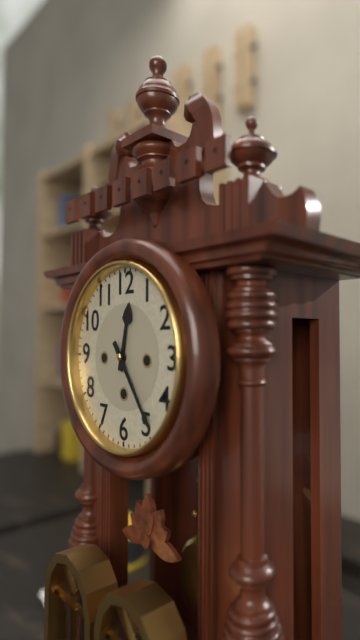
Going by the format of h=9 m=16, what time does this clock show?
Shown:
h=12 m=24
